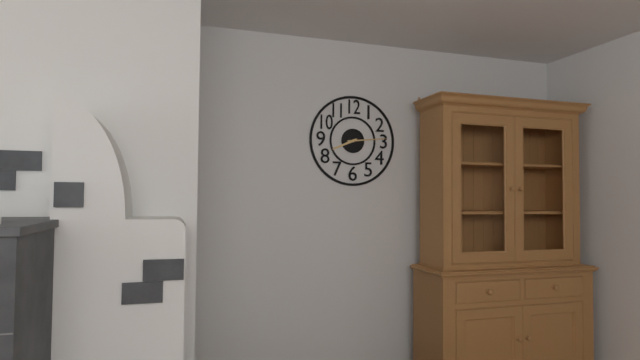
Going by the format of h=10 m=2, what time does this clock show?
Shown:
h=8 m=14
